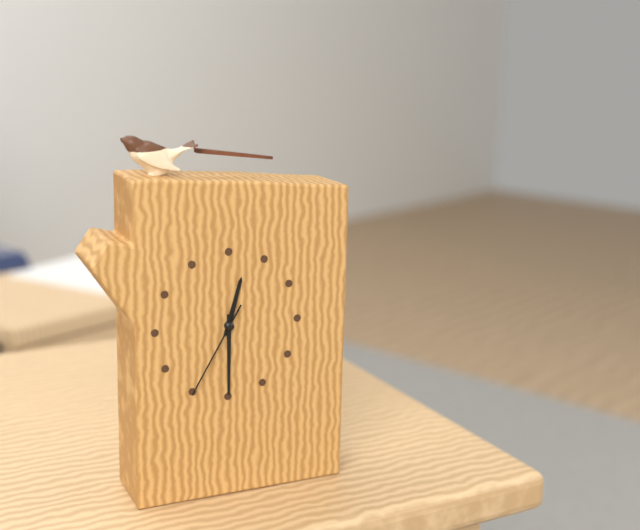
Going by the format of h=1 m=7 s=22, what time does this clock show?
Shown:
h=12 m=30 s=35
